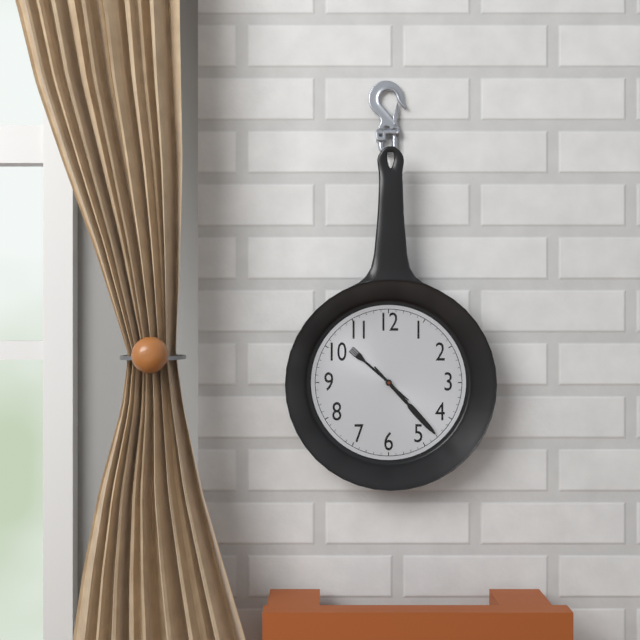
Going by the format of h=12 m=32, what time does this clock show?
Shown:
h=10 m=23
